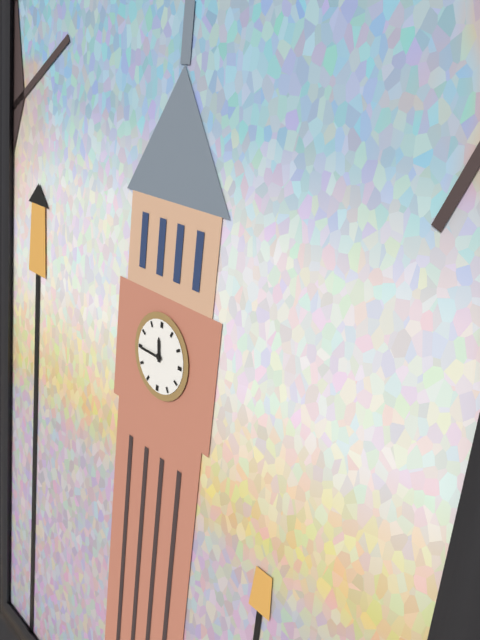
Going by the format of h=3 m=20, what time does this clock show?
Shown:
h=11 m=45
